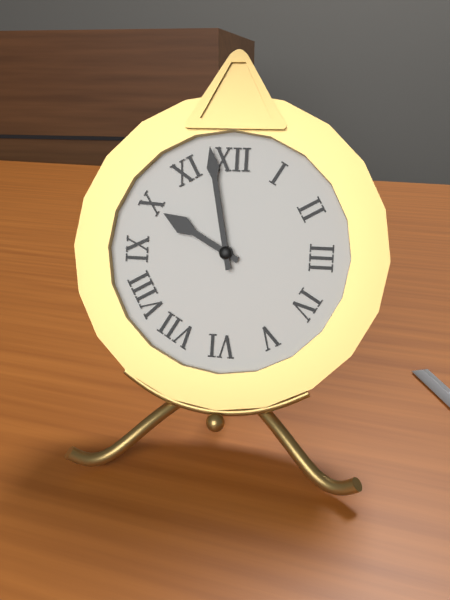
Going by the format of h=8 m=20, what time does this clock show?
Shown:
h=9 m=58
